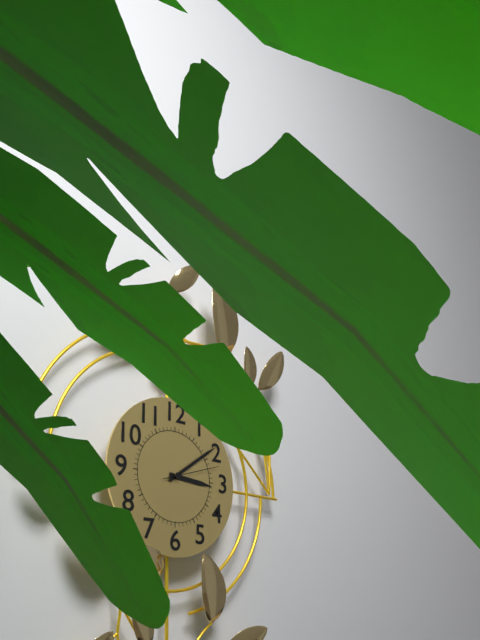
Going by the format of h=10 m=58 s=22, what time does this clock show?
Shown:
h=3 m=9 s=12
